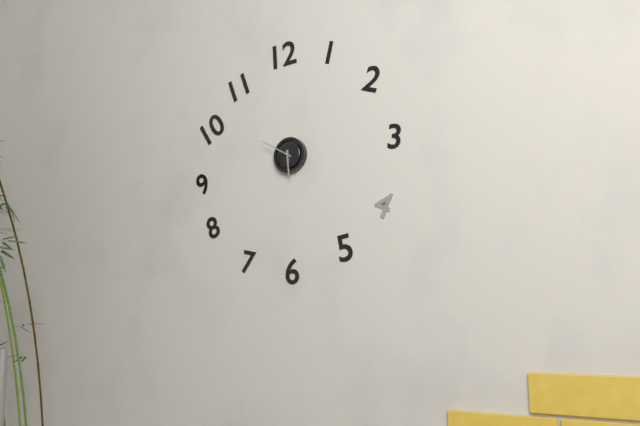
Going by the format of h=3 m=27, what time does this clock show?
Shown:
h=5 m=50
